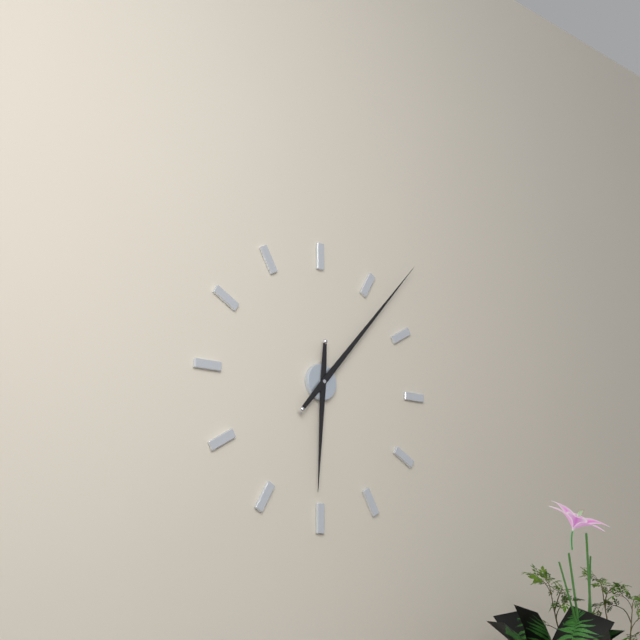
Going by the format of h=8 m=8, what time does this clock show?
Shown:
h=6 m=7
